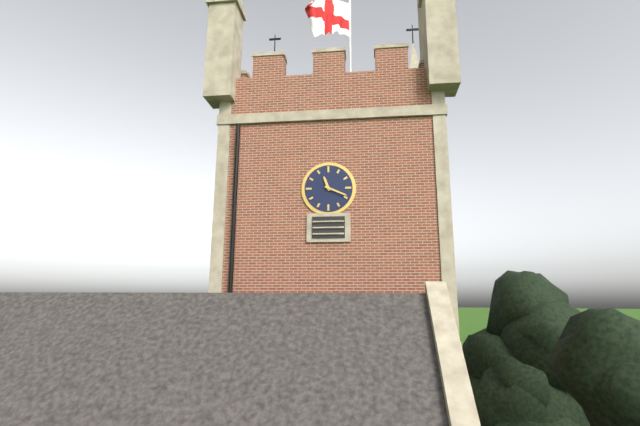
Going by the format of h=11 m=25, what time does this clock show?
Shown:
h=11 m=19
